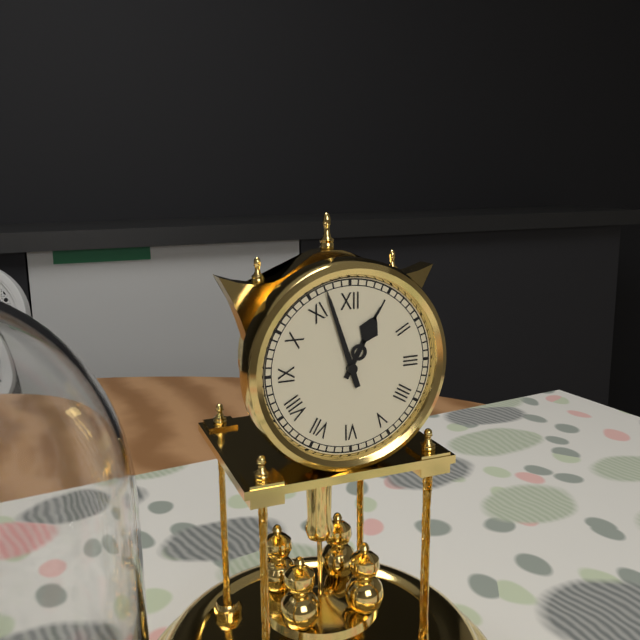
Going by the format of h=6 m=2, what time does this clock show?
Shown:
h=12 m=57
